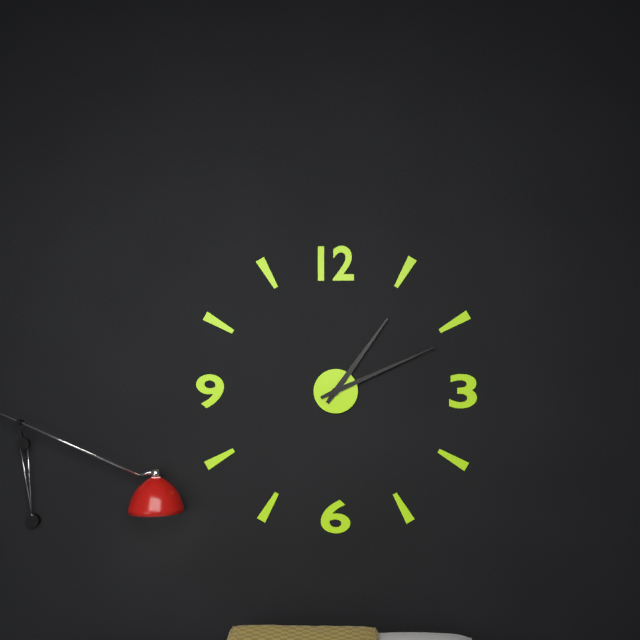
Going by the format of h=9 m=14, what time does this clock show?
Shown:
h=1 m=11
